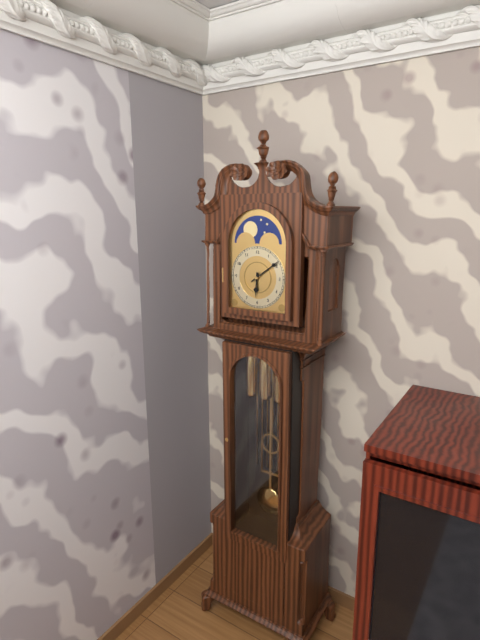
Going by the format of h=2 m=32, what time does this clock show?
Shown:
h=6 m=9
